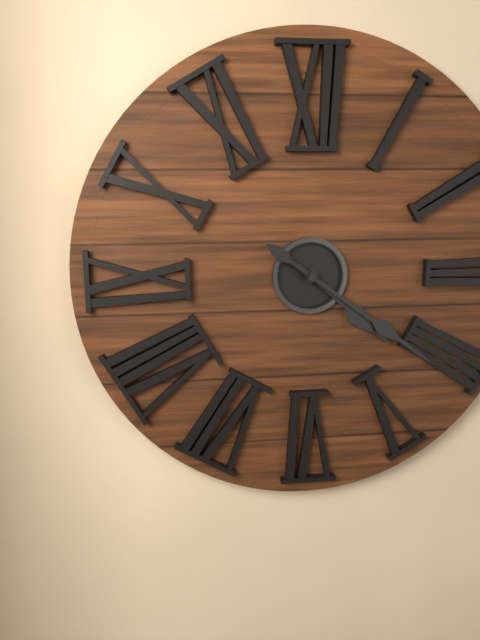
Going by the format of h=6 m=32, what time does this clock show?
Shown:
h=4 m=21
